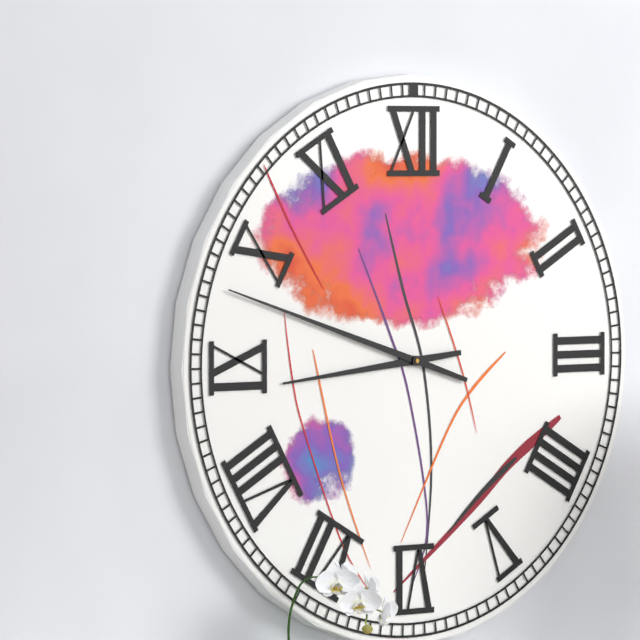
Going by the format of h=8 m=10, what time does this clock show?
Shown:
h=8 m=48
